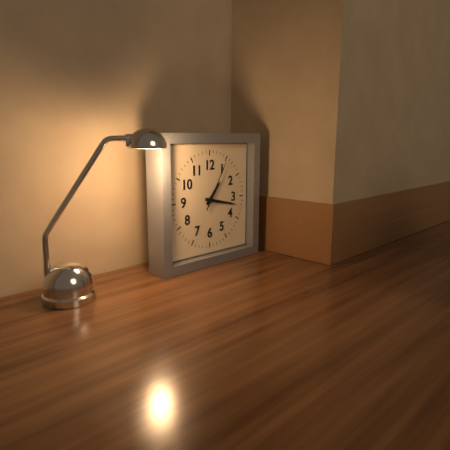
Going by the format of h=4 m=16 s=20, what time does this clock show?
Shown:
h=1 m=17 s=5
